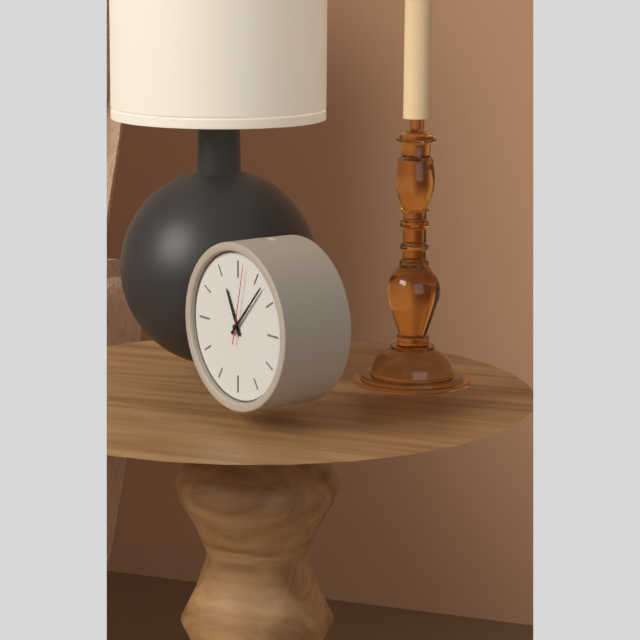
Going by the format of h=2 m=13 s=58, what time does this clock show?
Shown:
h=11 m=7 s=2
